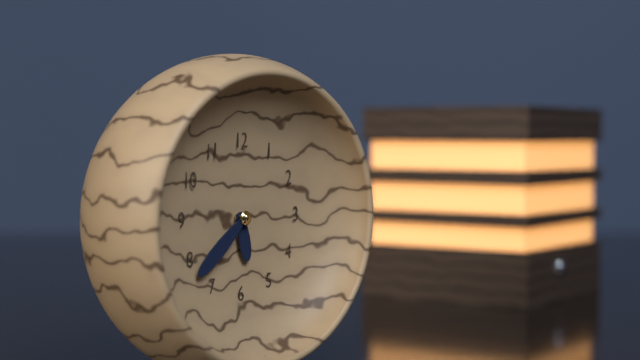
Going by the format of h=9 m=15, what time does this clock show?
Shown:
h=5 m=38
